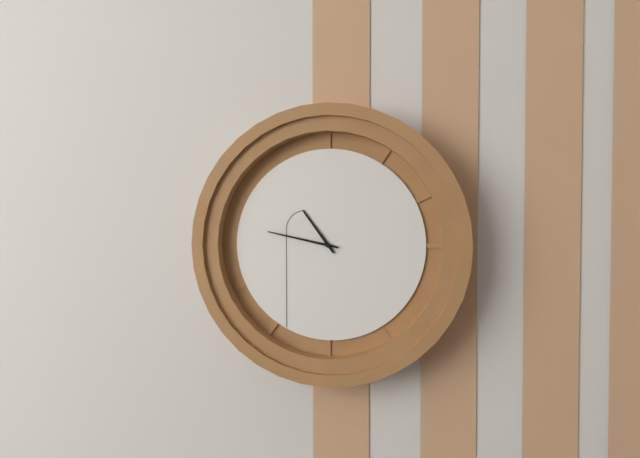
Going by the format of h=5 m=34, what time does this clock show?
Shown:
h=10 m=47
